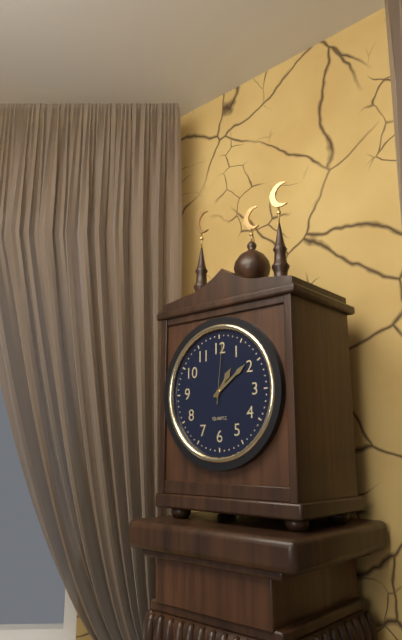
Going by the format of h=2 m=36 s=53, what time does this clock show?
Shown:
h=1 m=9 s=1
